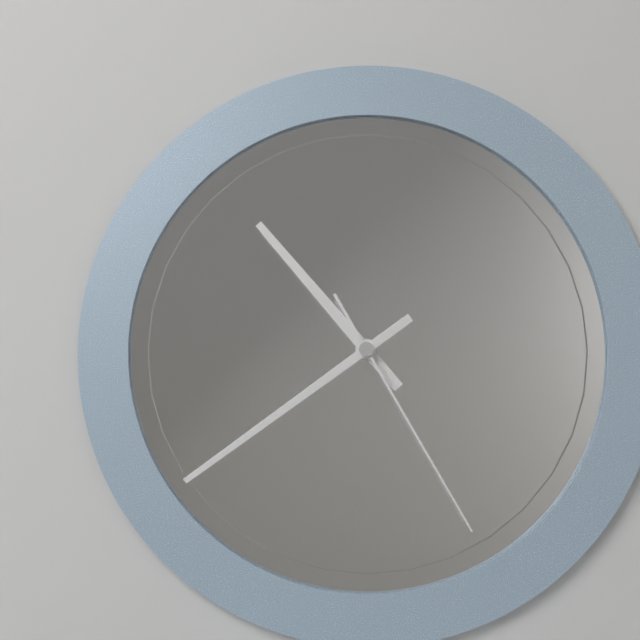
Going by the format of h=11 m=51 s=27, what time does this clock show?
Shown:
h=10 m=39 s=25
